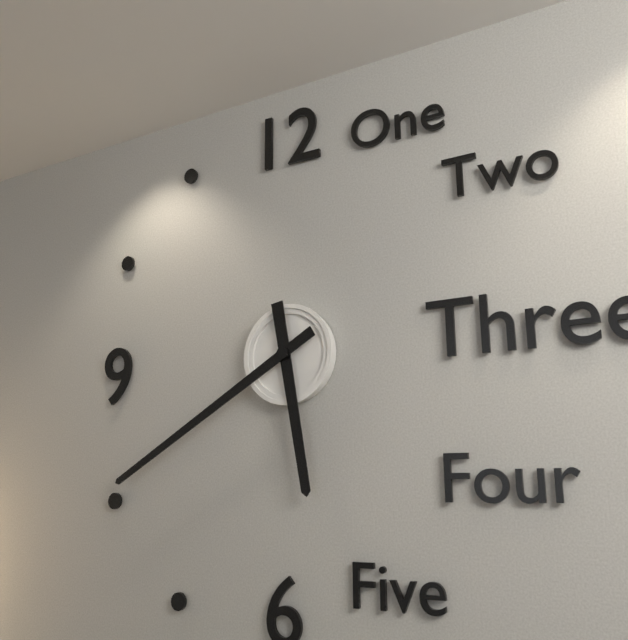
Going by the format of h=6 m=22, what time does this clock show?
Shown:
h=5 m=40
